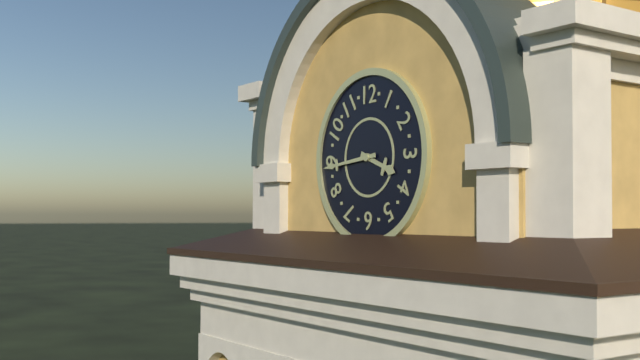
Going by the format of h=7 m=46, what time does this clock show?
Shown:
h=3 m=44
